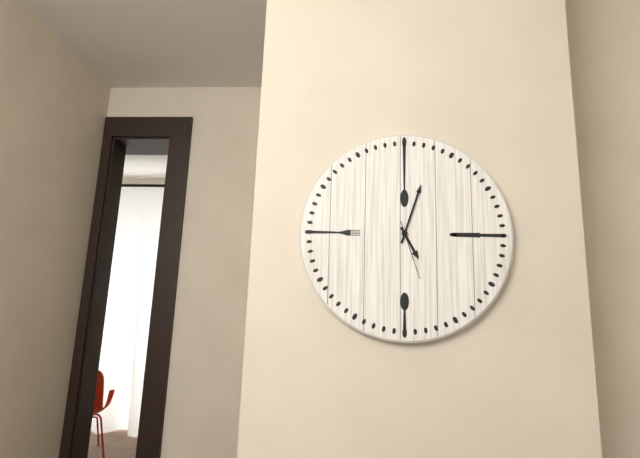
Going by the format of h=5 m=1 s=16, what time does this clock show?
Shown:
h=5 m=3 s=27
